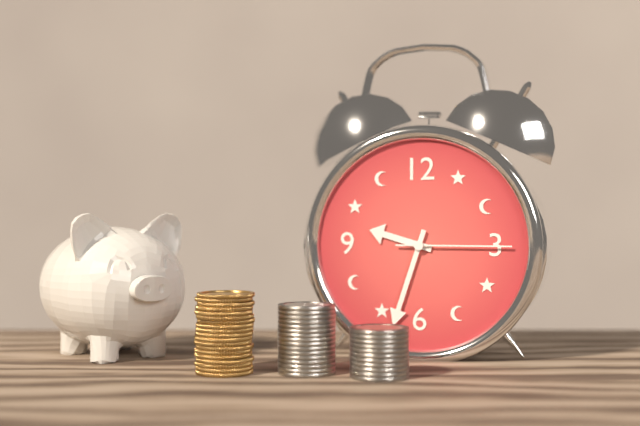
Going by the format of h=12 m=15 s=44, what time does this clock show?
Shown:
h=9 m=33 s=15
